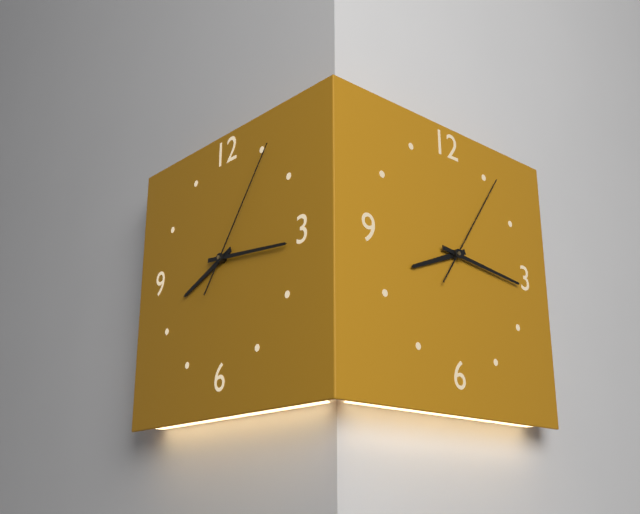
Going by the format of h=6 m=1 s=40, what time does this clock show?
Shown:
h=8 m=16 s=6
